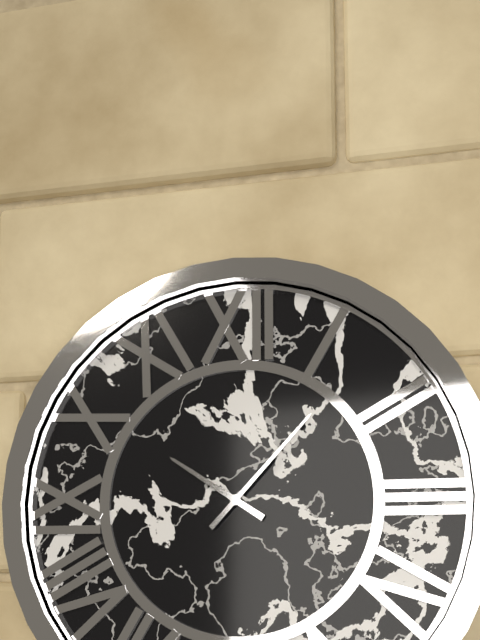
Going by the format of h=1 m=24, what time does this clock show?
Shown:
h=10 m=7
